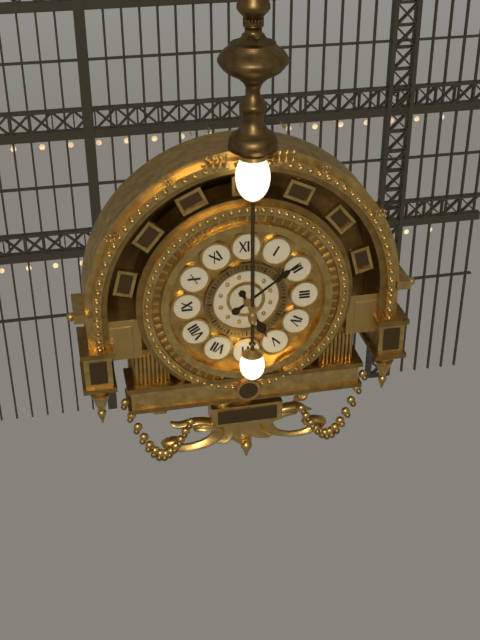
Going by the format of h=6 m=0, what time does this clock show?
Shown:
h=5 m=9
